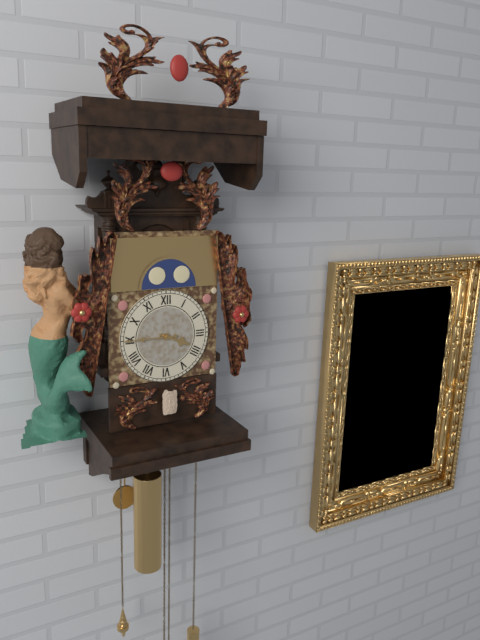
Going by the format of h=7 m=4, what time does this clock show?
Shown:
h=3 m=45
